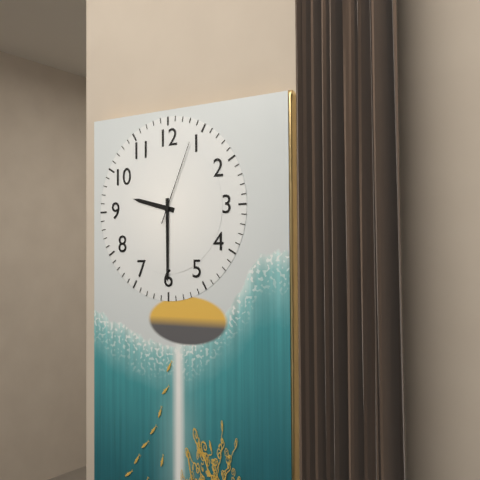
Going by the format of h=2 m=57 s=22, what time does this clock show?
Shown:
h=9 m=30 s=4
